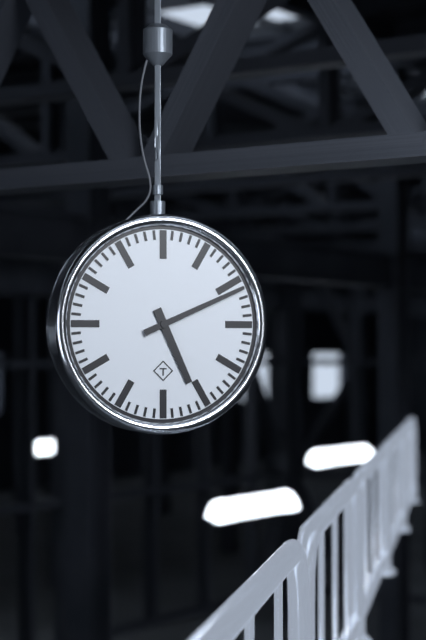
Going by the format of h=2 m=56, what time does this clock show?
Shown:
h=5 m=11
